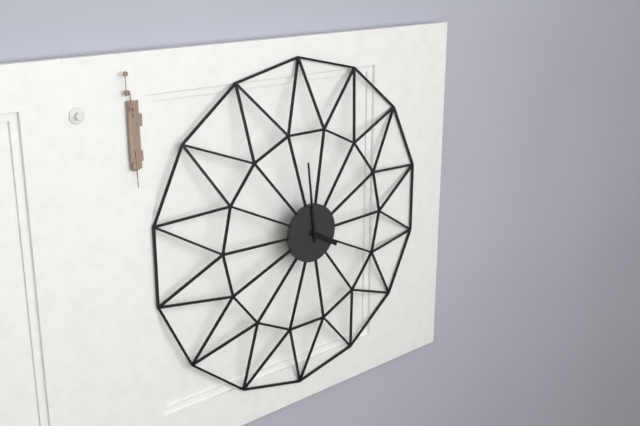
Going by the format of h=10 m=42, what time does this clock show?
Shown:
h=3 m=59
